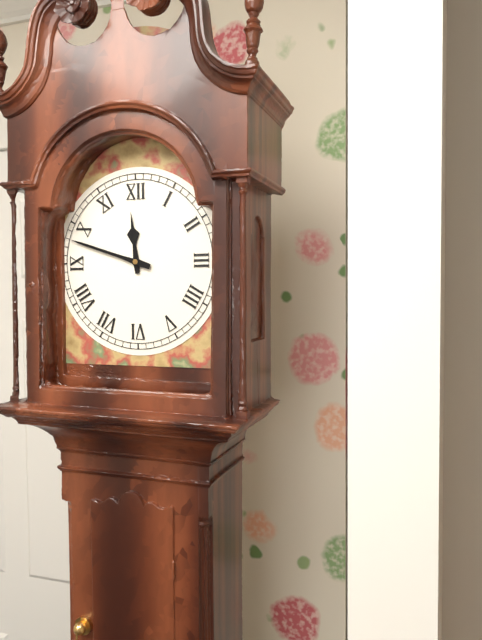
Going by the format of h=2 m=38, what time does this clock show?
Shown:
h=11 m=48
